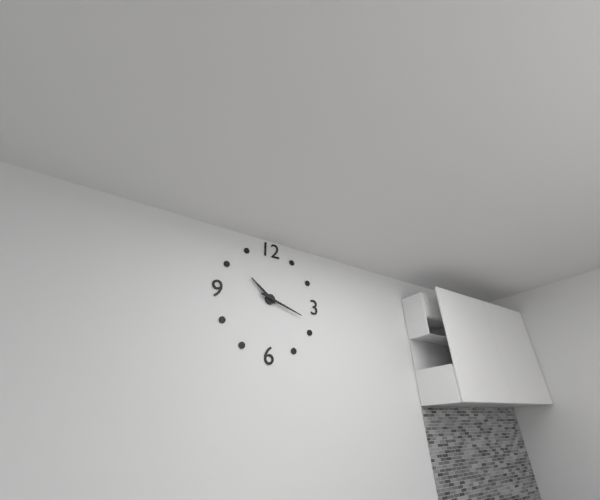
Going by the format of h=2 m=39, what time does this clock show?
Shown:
h=10 m=18
